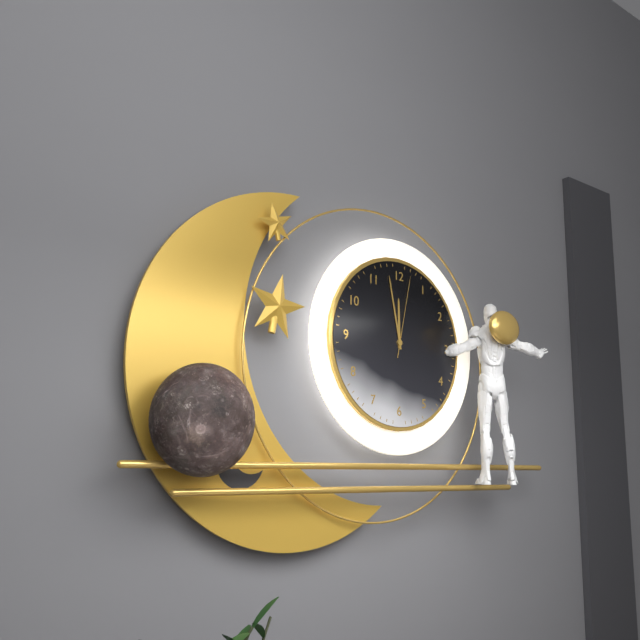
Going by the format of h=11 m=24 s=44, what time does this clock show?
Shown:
h=11 m=58 s=2
